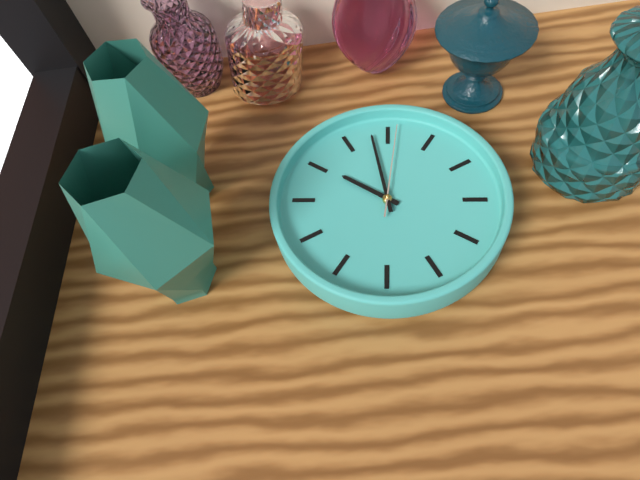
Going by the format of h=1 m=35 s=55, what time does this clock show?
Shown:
h=11 m=3 s=6
